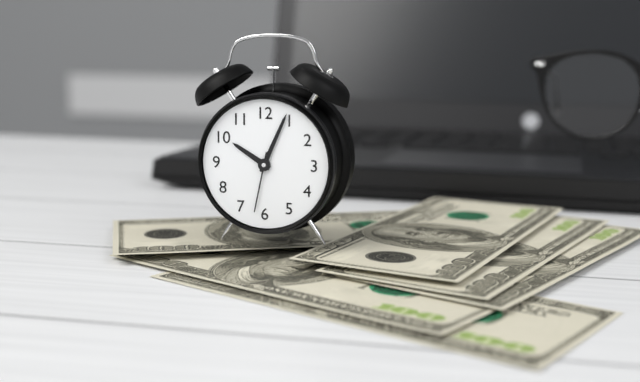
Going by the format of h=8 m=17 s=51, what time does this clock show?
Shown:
h=10 m=4 s=32
